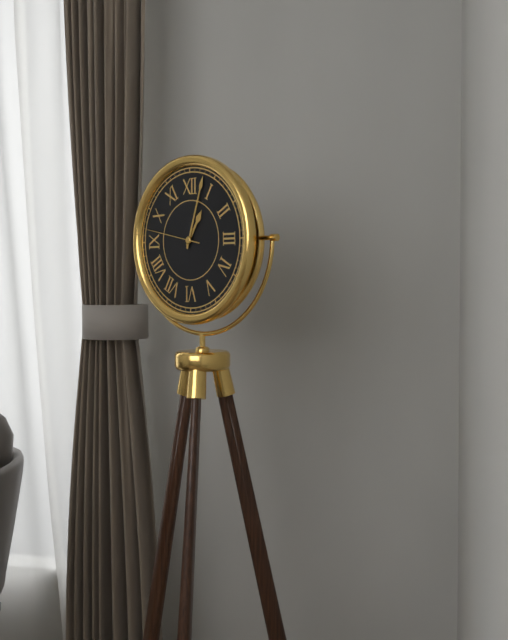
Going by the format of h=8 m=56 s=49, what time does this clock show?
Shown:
h=1 m=3 s=47
